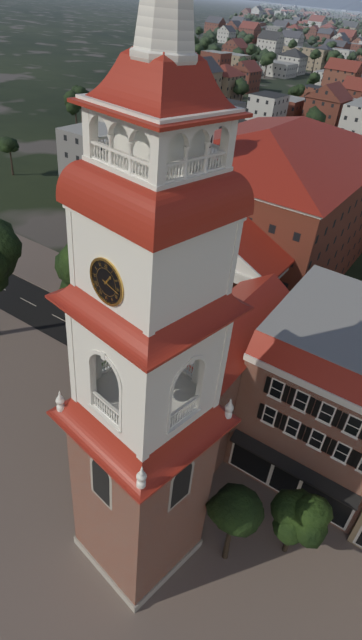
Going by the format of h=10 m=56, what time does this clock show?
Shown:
h=1 m=17
